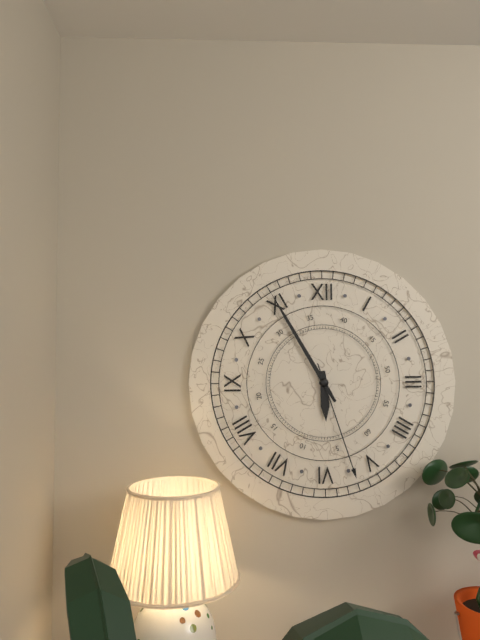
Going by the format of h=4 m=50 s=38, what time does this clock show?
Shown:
h=5 m=55 s=27
